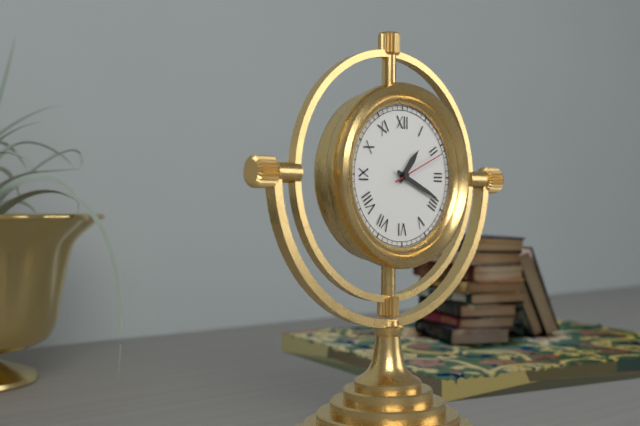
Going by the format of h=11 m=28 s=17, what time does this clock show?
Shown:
h=1 m=19 s=11
